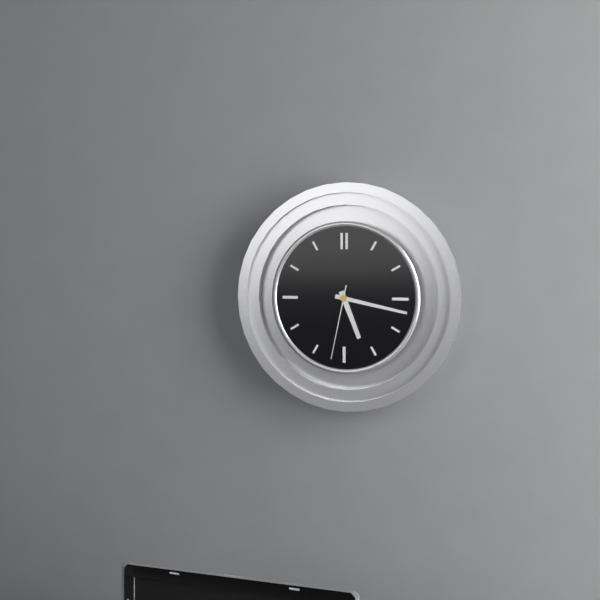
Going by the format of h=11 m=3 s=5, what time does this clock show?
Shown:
h=5 m=17 s=32
